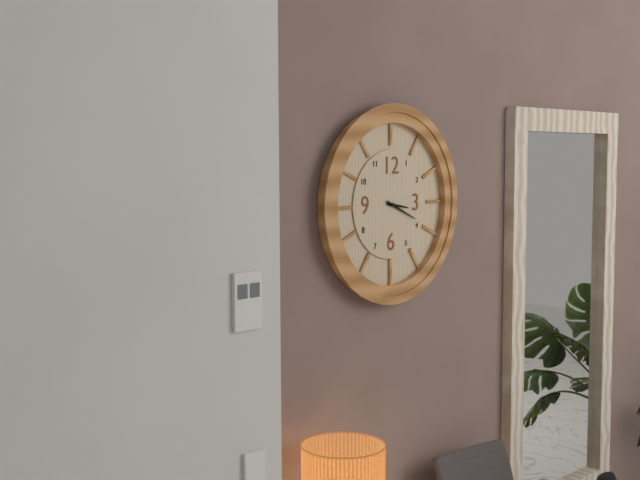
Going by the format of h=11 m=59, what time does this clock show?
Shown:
h=3 m=19
